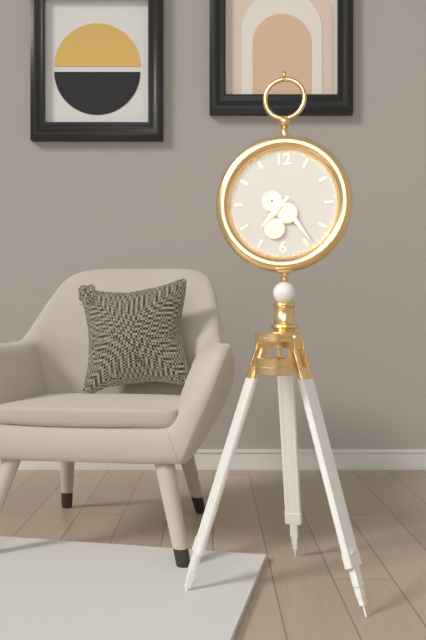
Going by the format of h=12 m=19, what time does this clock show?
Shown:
h=7 m=24
